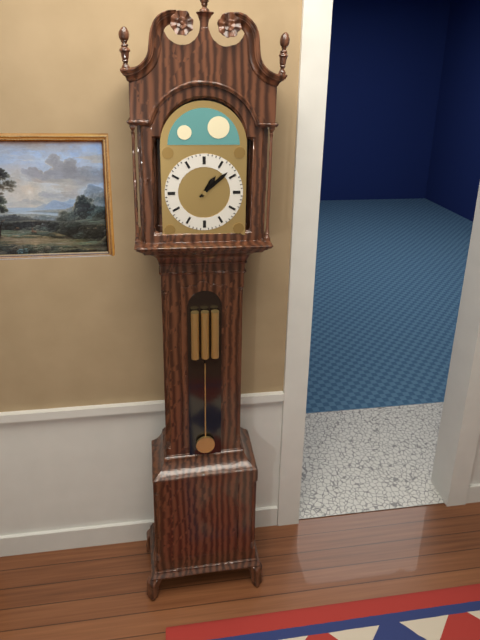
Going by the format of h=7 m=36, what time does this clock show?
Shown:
h=1 m=8
